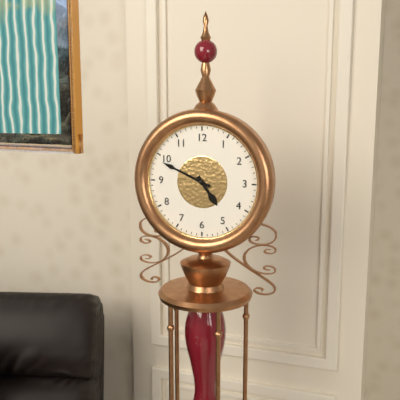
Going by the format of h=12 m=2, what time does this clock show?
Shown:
h=4 m=49
